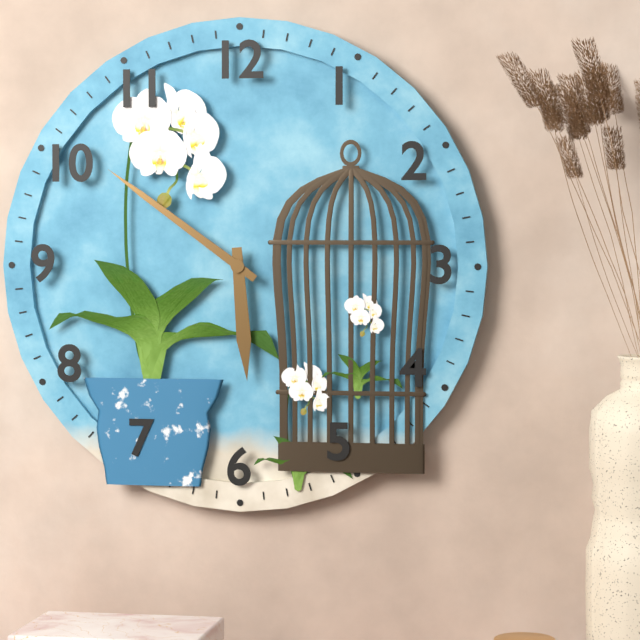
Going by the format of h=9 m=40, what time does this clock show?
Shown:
h=5 m=51
